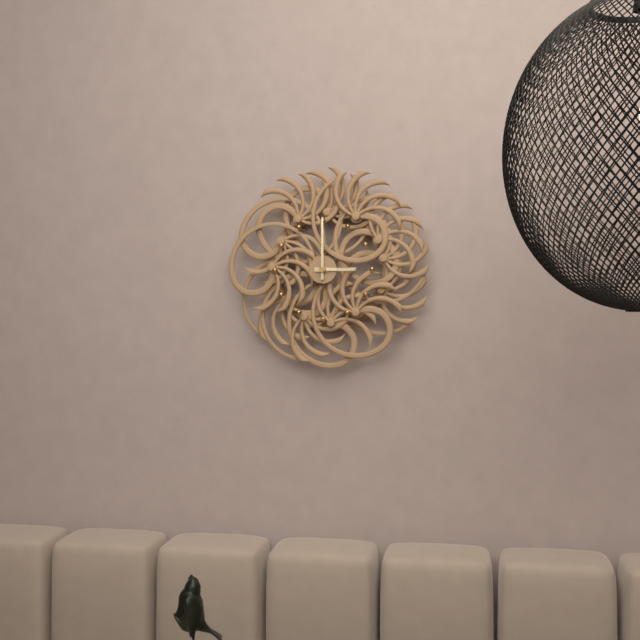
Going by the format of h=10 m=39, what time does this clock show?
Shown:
h=3 m=0
